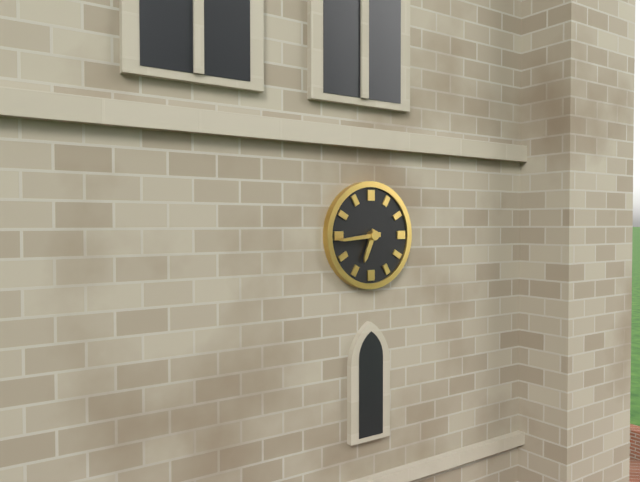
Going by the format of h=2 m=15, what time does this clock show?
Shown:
h=6 m=44
